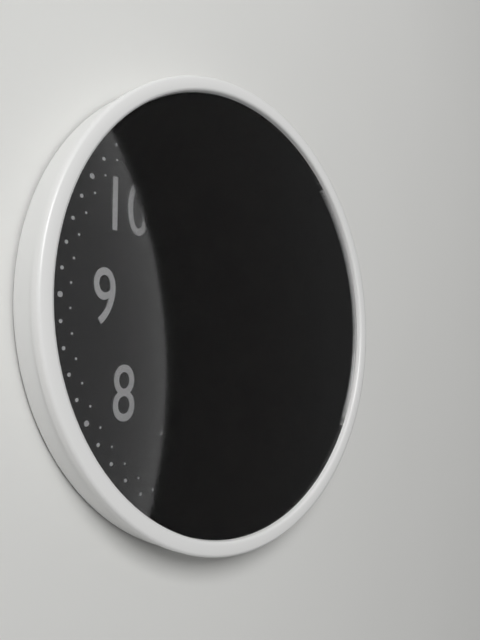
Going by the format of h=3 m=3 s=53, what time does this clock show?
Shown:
h=7 m=20 s=37
